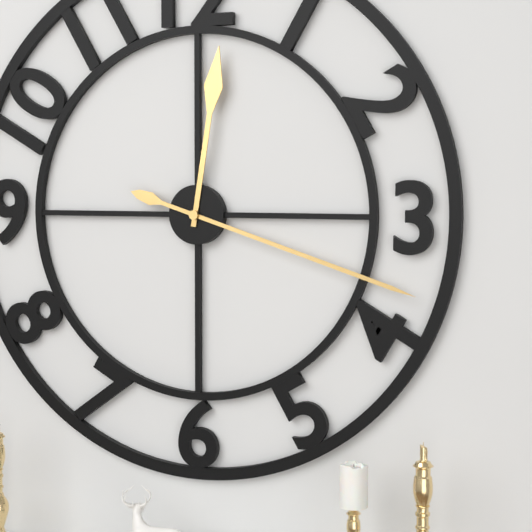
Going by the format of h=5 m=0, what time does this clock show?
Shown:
h=12 m=18
